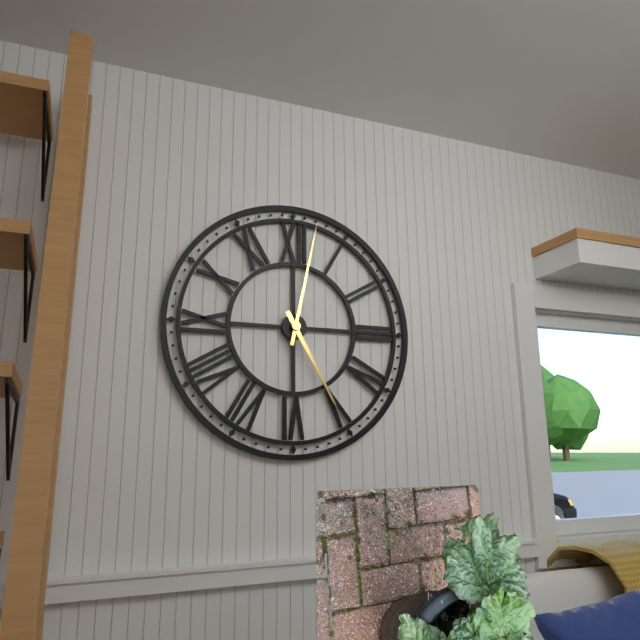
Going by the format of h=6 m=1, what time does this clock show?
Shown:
h=5 m=2
